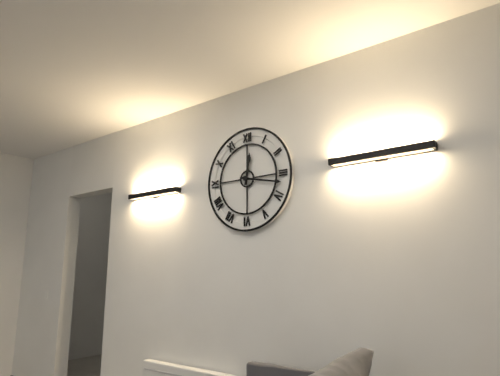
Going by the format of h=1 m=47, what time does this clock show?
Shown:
h=12 m=17
